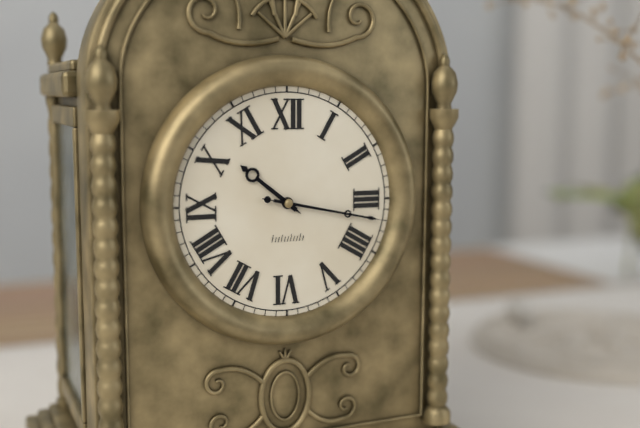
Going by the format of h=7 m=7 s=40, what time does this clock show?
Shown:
h=10 m=17 s=17
